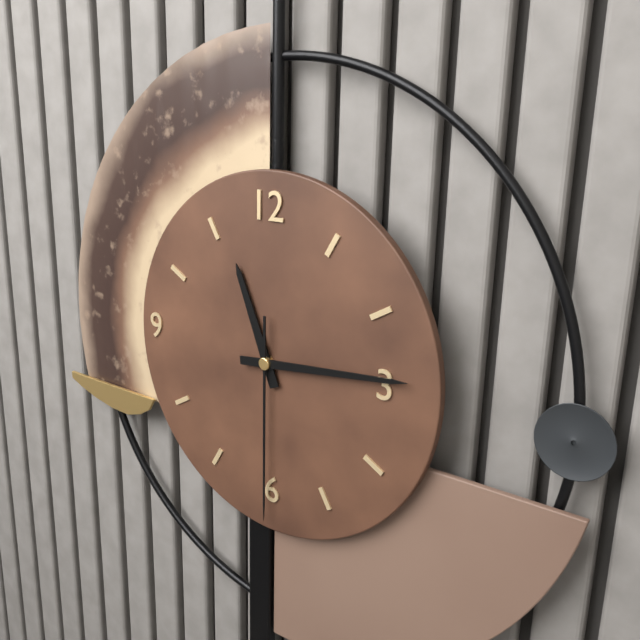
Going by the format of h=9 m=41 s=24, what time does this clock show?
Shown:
h=11 m=14 s=30
